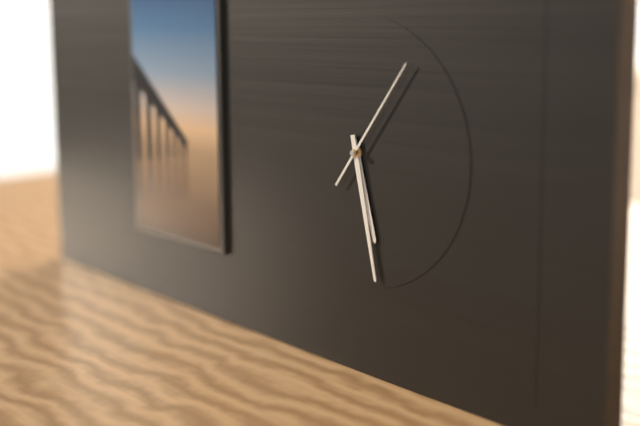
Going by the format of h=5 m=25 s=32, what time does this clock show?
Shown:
h=5 m=28 s=6
